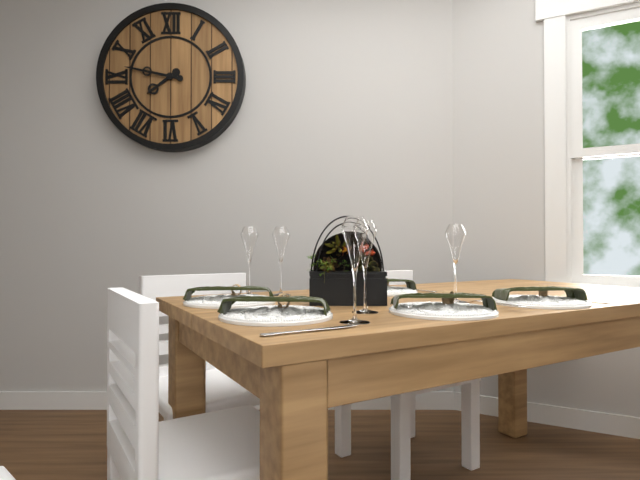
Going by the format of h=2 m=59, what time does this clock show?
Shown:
h=7 m=47
